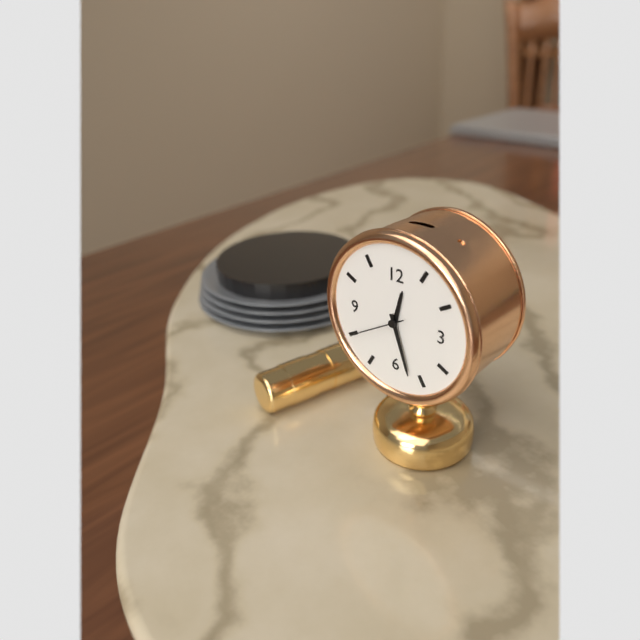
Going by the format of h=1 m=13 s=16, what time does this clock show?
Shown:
h=12 m=27 s=40
